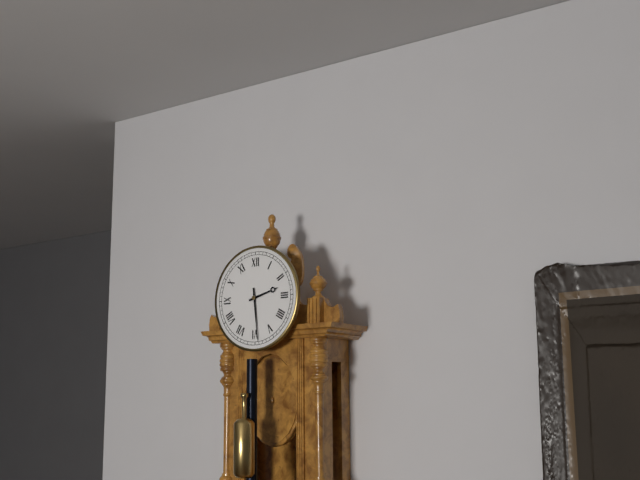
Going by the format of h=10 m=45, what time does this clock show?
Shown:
h=2 m=29
